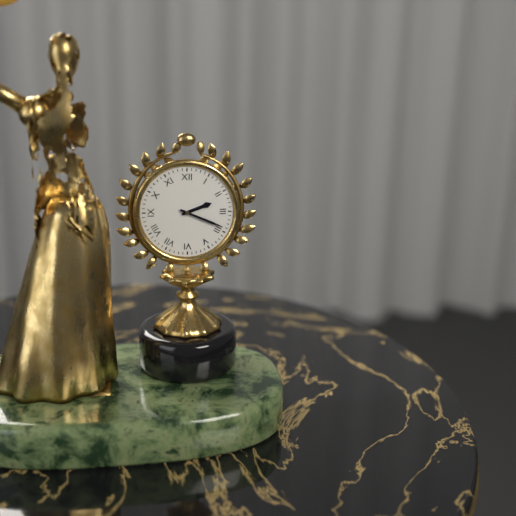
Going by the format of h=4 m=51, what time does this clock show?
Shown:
h=2 m=19
